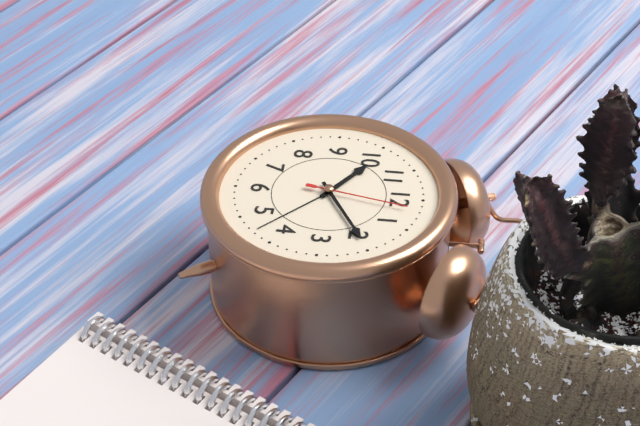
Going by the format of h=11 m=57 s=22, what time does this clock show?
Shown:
h=10 m=10 s=2
